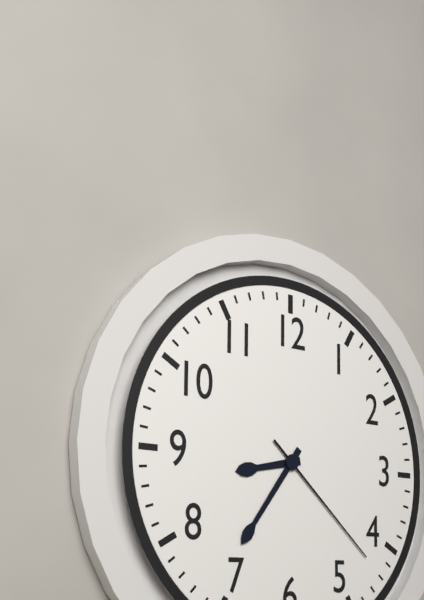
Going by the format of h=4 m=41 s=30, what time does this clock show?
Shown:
h=8 m=36 s=22
